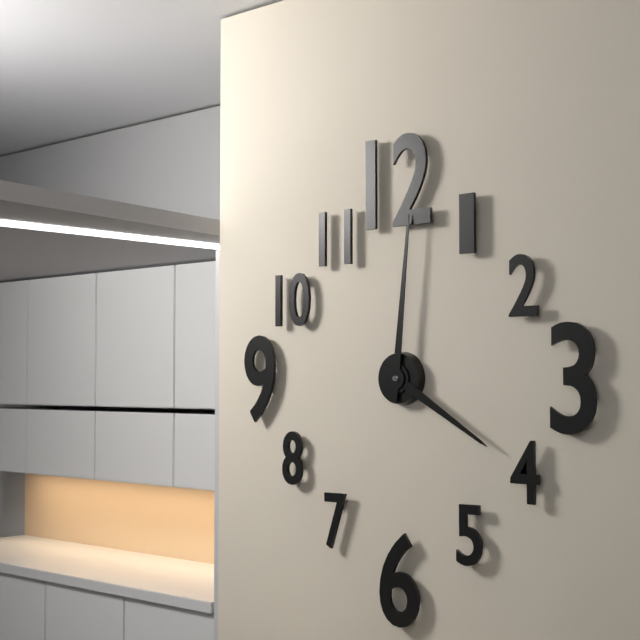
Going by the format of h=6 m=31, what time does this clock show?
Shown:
h=4 m=1
